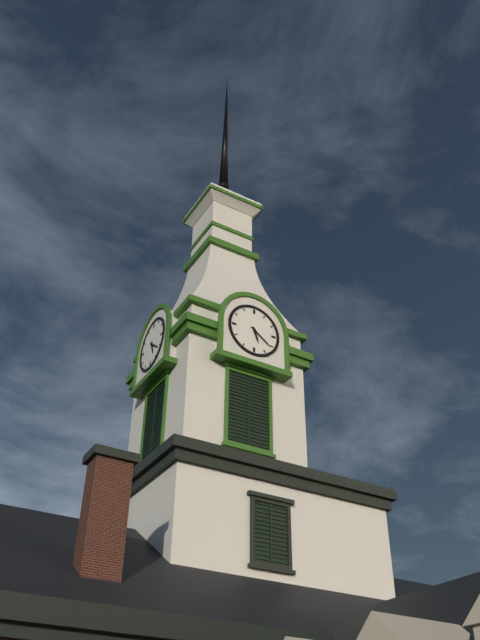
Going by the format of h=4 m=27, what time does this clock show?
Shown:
h=5 m=21
